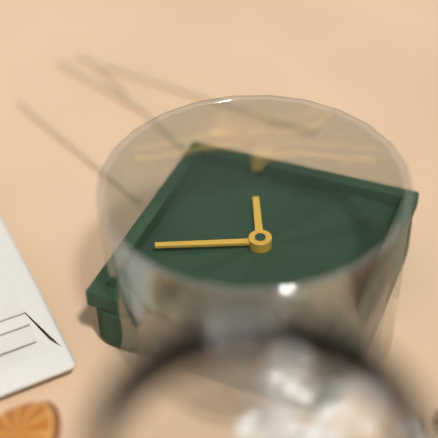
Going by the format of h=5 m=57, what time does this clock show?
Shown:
h=5 m=11
